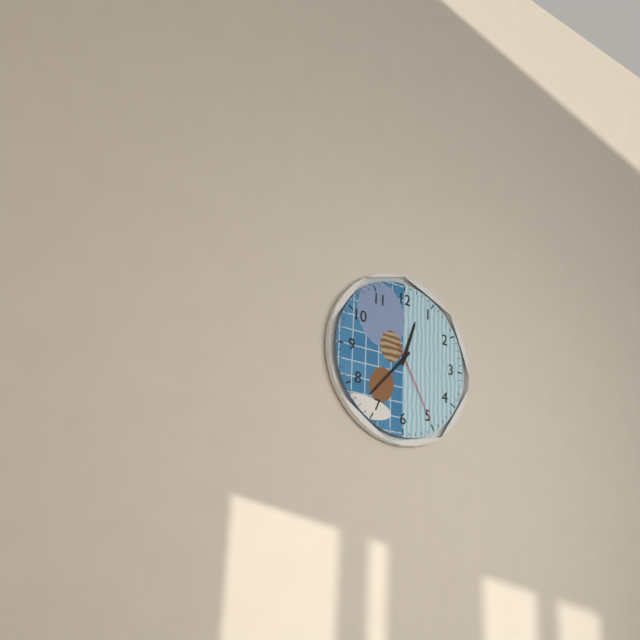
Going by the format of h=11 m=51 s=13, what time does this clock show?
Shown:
h=12 m=37 s=25
